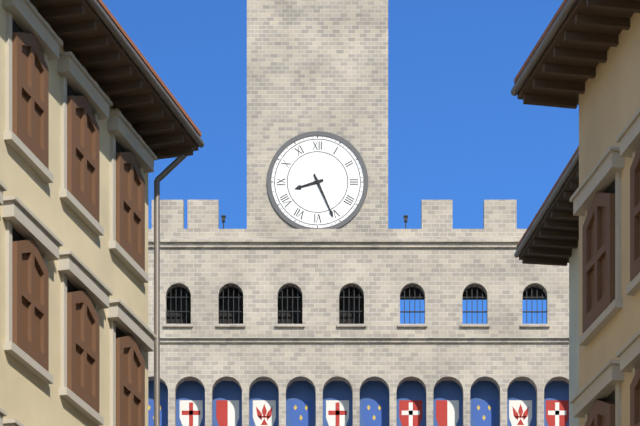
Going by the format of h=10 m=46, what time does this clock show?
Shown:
h=8 m=26
